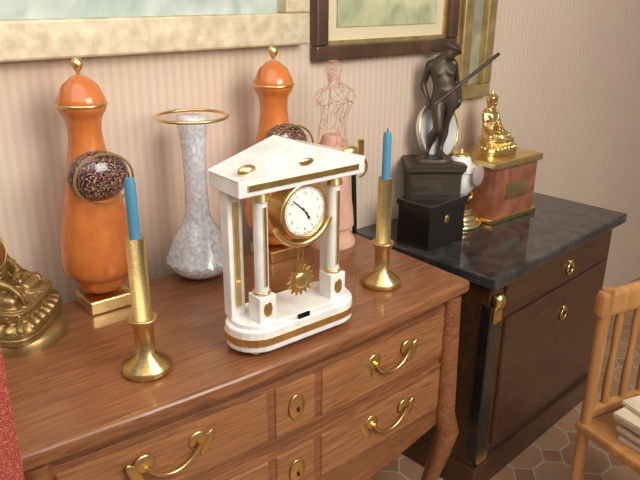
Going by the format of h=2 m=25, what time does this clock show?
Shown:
h=4 m=52
